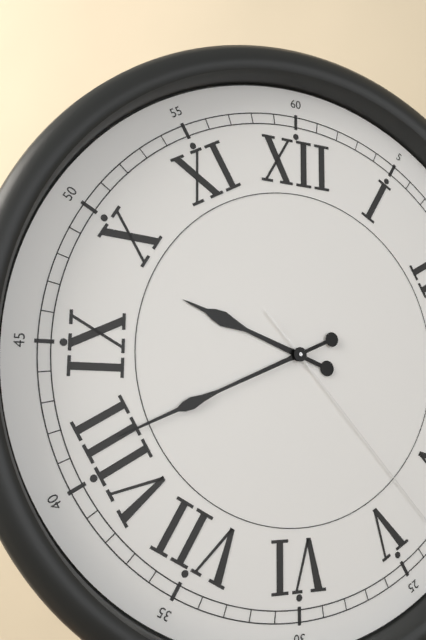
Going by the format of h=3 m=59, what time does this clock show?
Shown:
h=9 m=41
